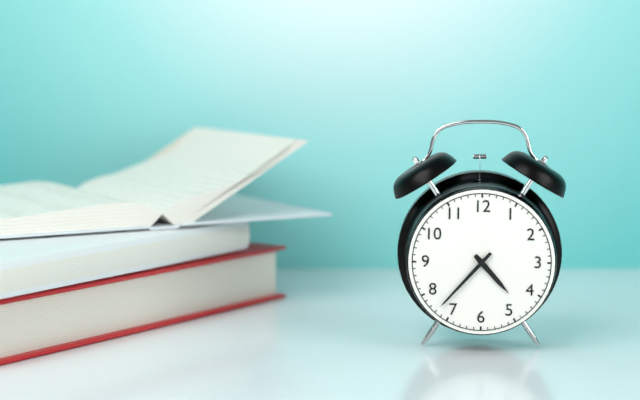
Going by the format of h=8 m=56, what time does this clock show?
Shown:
h=4 m=37
